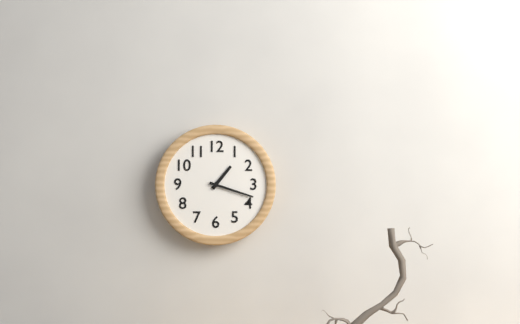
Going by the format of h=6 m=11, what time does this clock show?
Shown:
h=1 m=18
